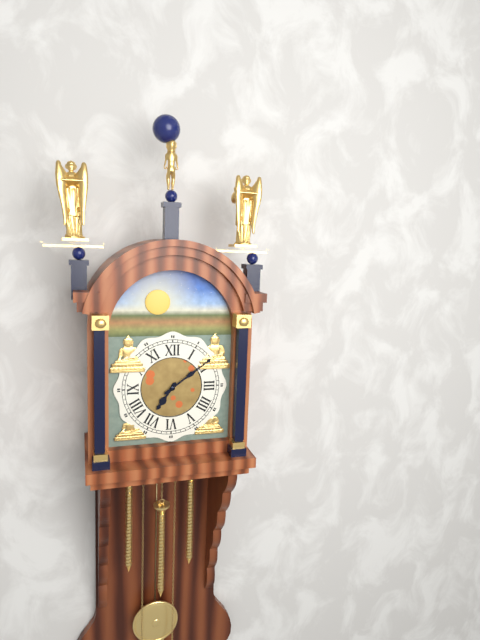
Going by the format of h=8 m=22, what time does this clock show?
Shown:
h=7 m=9
